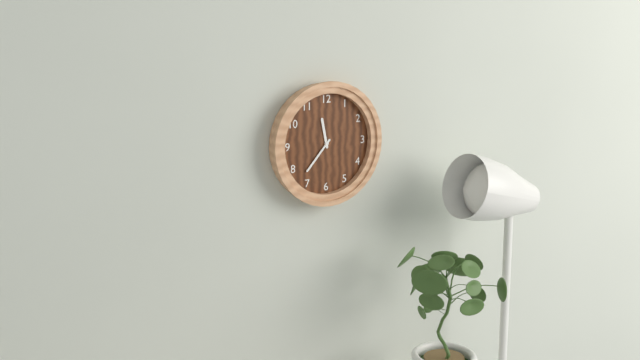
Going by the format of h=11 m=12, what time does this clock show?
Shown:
h=11 m=37
